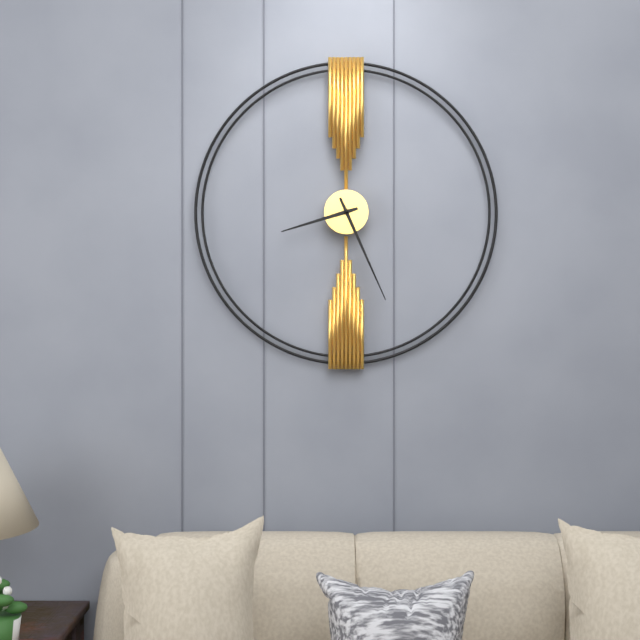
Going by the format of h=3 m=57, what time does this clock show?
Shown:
h=8 m=26
